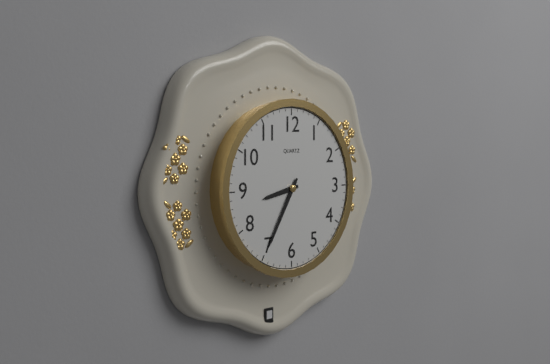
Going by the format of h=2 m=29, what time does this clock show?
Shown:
h=8 m=35
